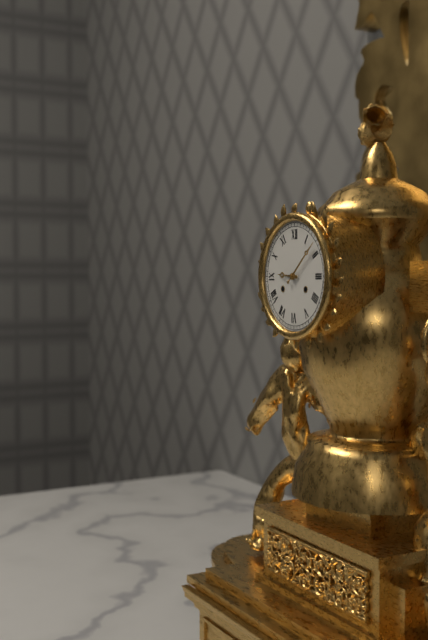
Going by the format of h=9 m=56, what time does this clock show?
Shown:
h=9 m=8
